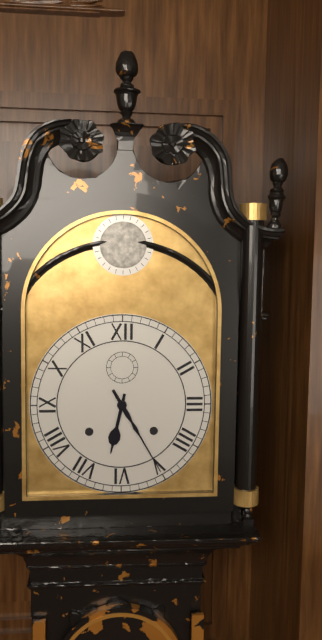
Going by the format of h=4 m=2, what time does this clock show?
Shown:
h=6 m=25
